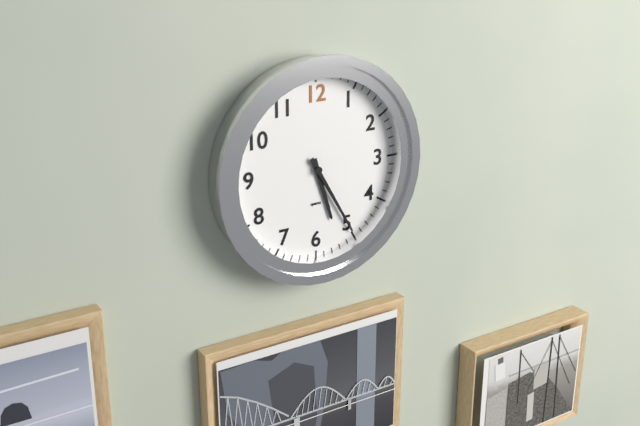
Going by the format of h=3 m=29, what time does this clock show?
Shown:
h=5 m=25
